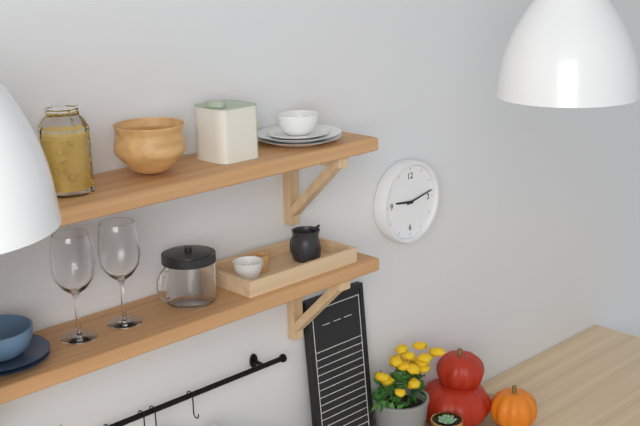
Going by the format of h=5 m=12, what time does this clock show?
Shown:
h=9 m=13
